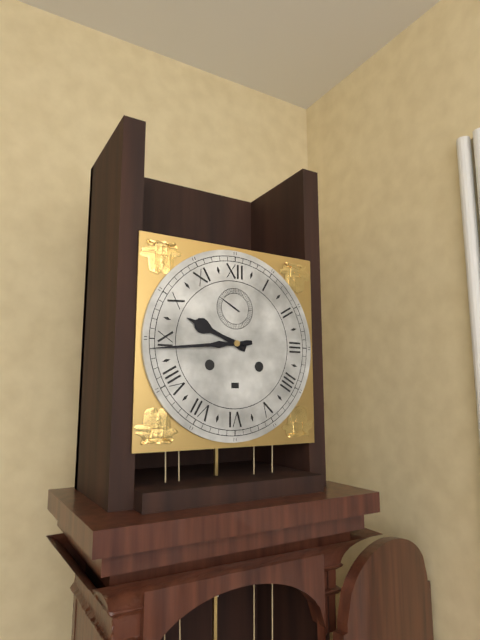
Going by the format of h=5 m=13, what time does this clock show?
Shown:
h=9 m=44
